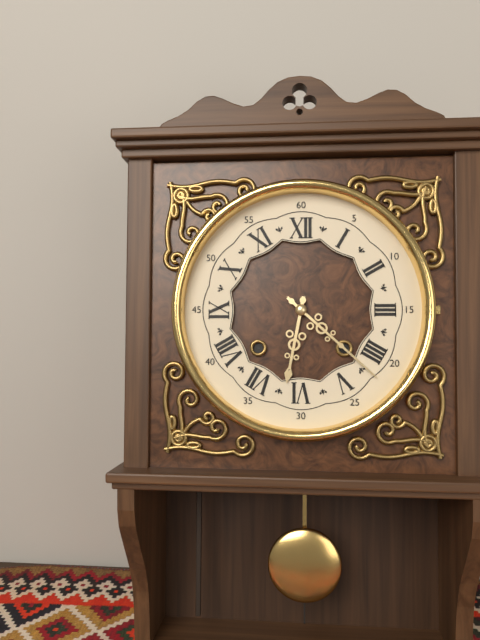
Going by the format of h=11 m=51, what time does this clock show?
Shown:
h=6 m=22
